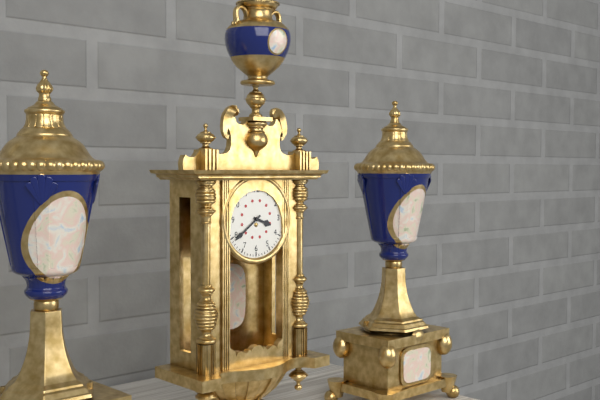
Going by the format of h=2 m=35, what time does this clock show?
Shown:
h=3 m=39
